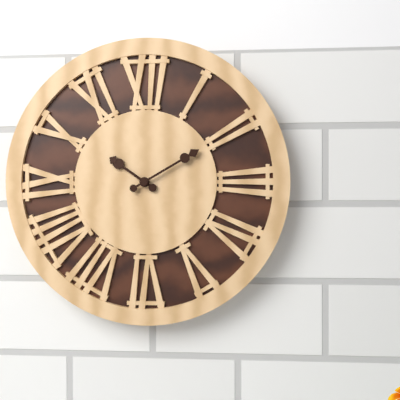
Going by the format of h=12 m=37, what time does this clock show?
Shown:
h=10 m=10
